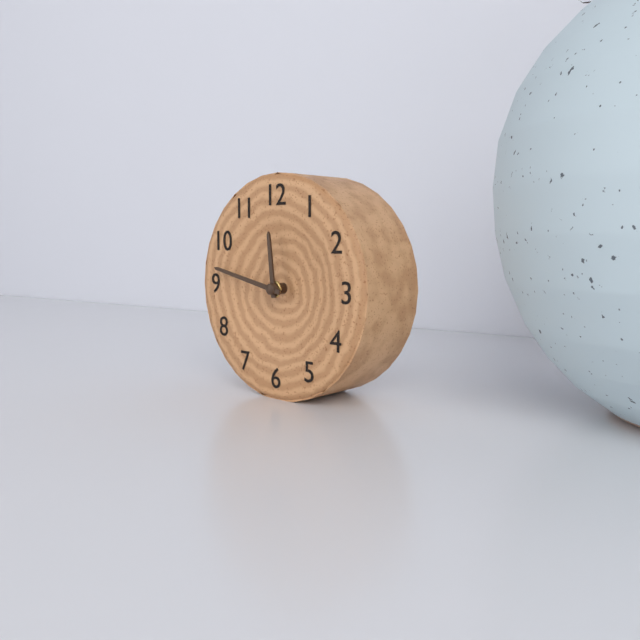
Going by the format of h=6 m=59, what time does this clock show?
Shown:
h=11 m=47
